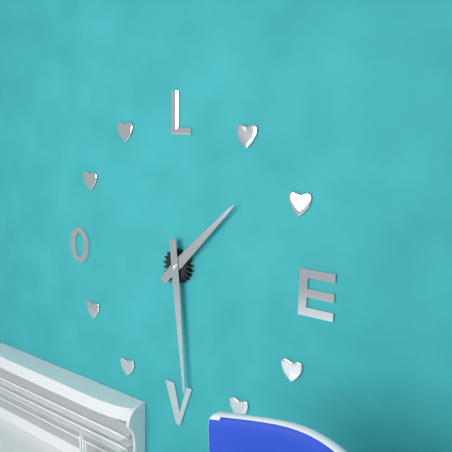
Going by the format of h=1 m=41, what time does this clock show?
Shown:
h=1 m=29
